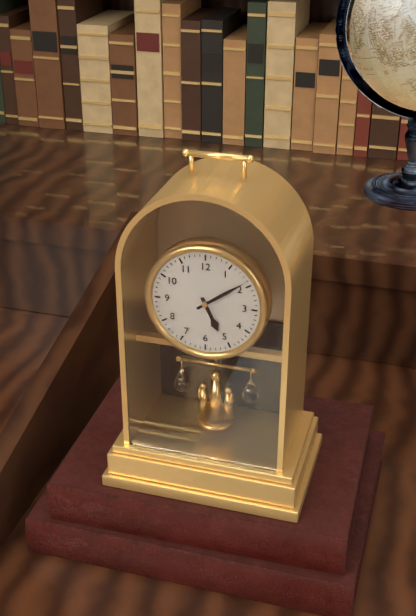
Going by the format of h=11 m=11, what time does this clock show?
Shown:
h=5 m=9
